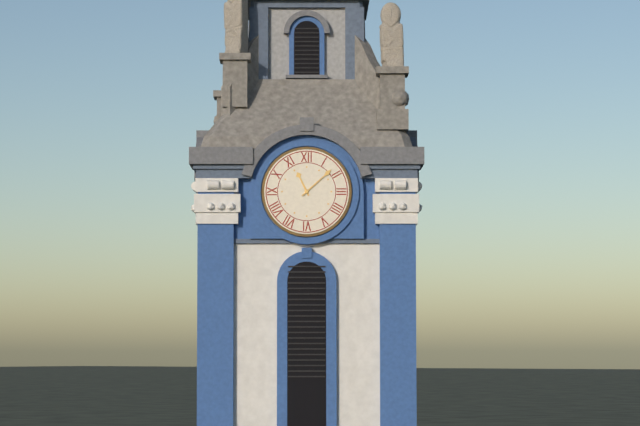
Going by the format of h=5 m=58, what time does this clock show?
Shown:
h=11 m=8
